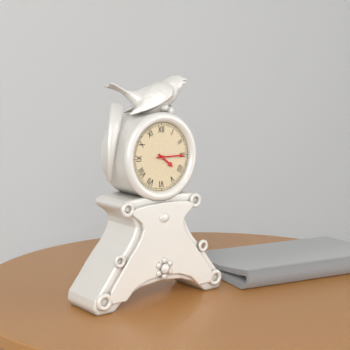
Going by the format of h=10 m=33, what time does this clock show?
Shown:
h=4 m=15
